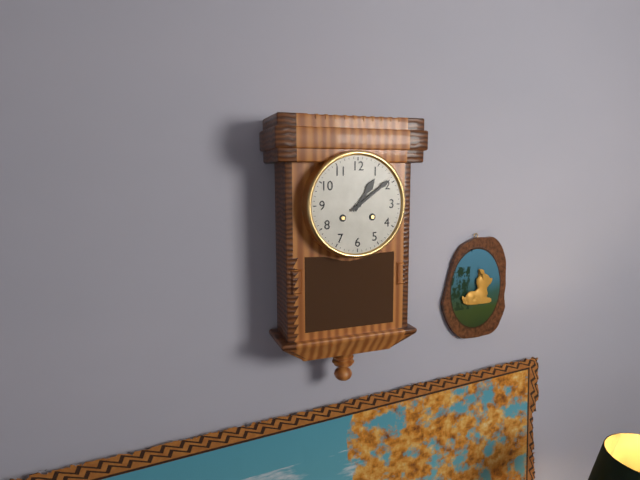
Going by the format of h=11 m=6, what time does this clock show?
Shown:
h=1 m=9
